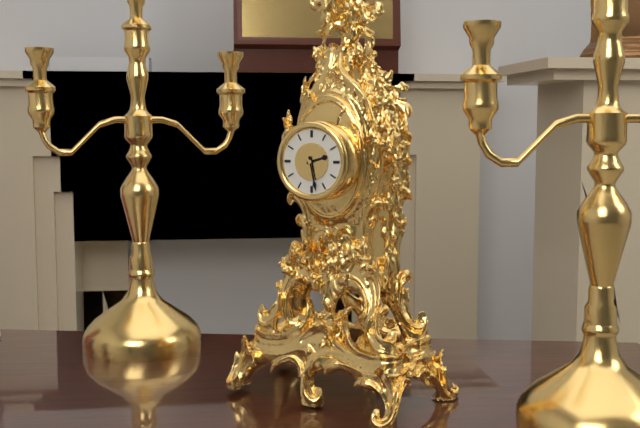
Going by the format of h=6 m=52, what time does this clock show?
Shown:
h=2 m=28
